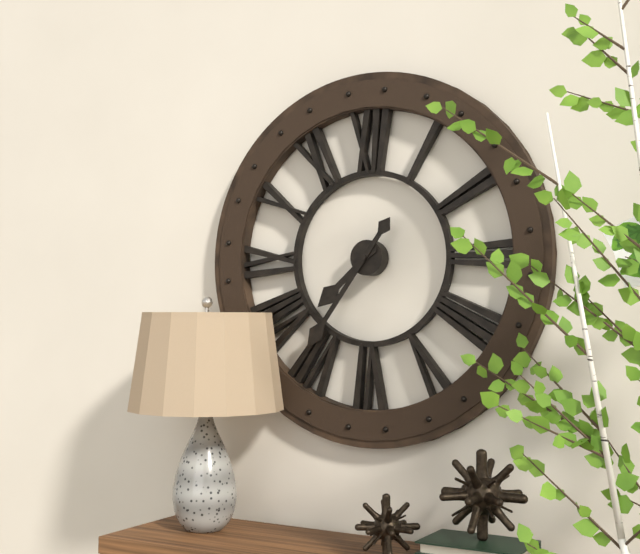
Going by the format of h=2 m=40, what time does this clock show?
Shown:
h=7 m=36
